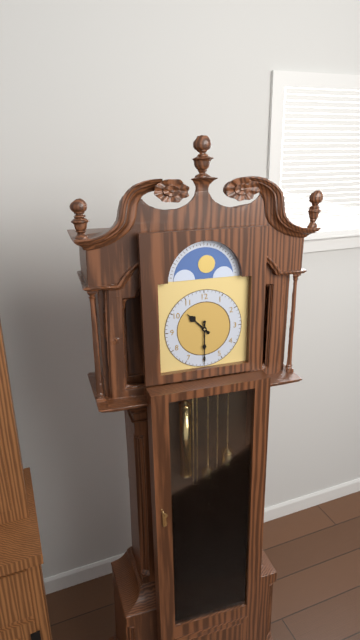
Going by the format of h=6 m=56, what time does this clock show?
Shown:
h=10 m=30
